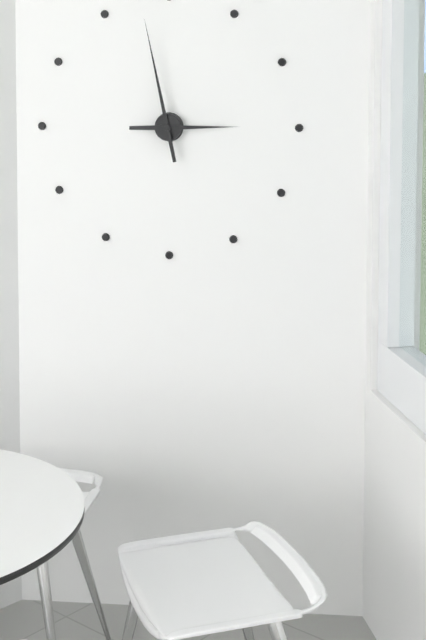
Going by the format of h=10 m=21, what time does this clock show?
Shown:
h=2 m=58
